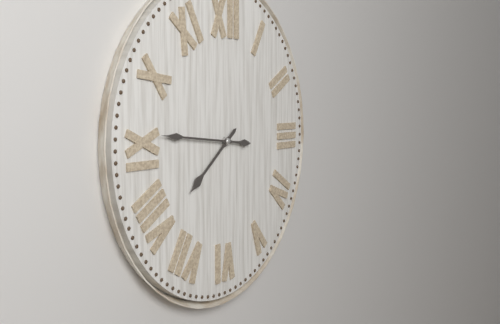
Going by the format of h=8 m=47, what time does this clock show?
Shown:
h=7 m=46
